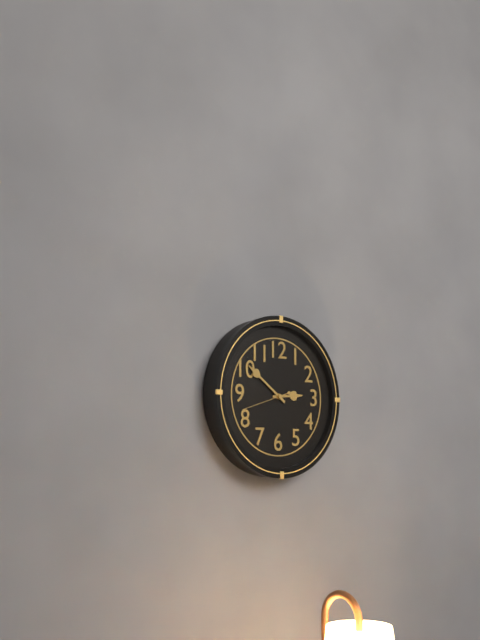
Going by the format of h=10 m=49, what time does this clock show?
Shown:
h=2 m=51
